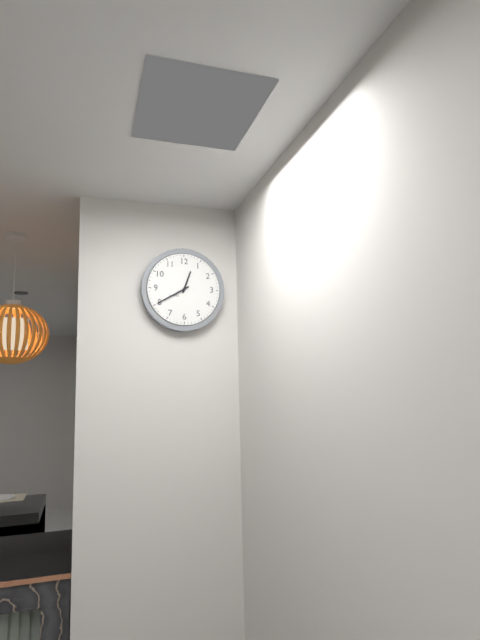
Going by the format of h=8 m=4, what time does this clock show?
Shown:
h=12 m=40
